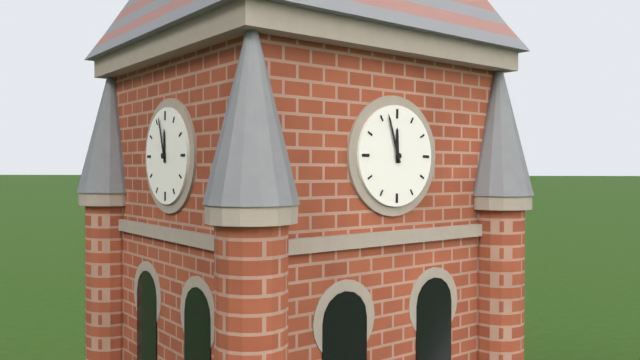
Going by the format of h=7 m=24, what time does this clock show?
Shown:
h=11 m=57
